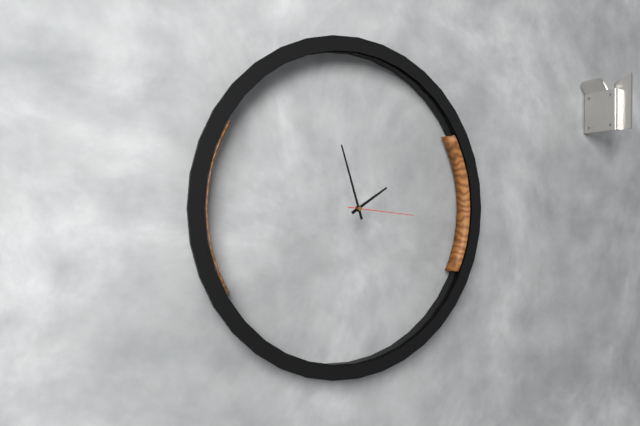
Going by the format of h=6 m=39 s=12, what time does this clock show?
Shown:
h=1 m=57 s=16
